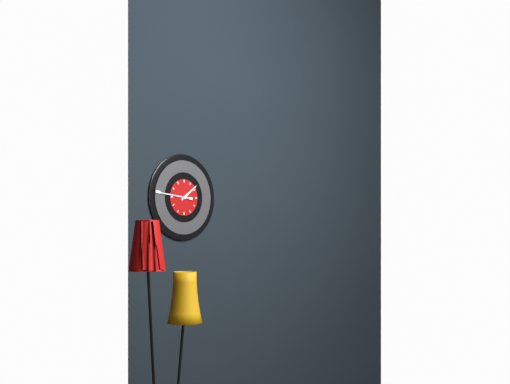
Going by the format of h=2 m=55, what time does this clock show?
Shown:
h=1 m=46
